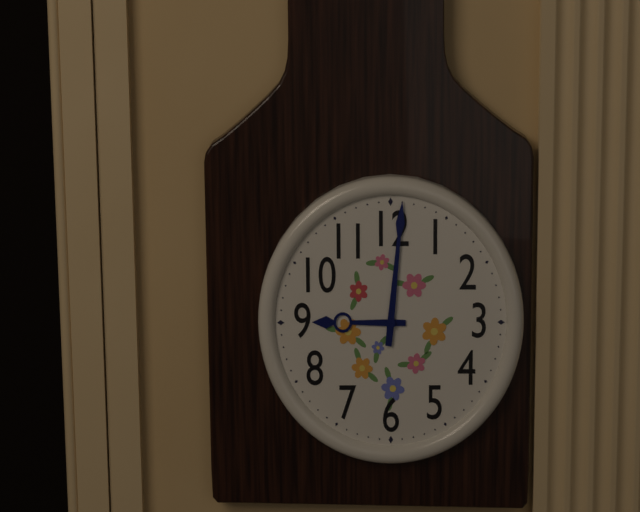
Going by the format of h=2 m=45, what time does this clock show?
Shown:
h=9 m=1
